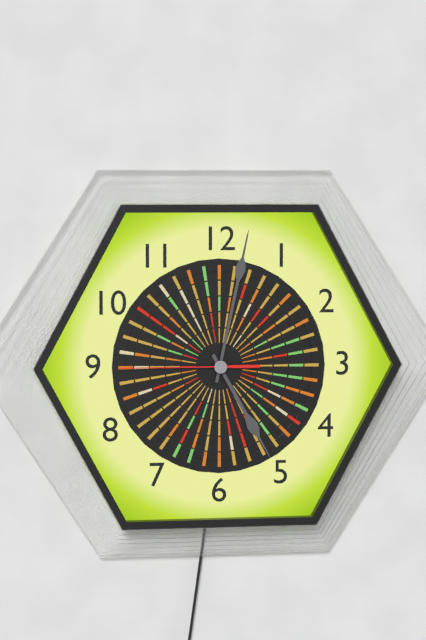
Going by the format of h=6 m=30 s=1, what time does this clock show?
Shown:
h=5 m=2 s=45
